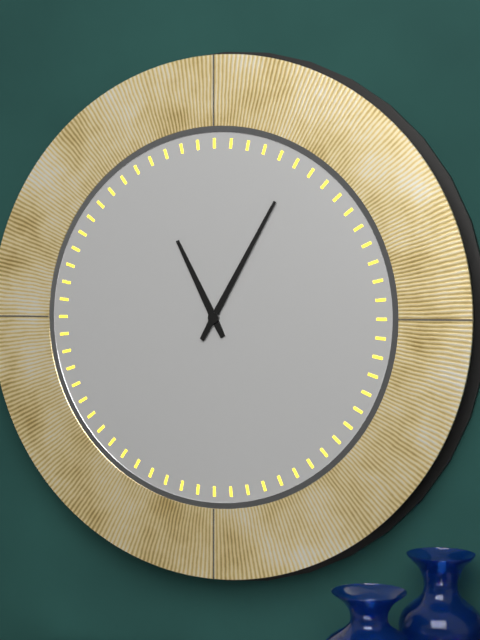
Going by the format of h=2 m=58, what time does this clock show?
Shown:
h=11 m=5
